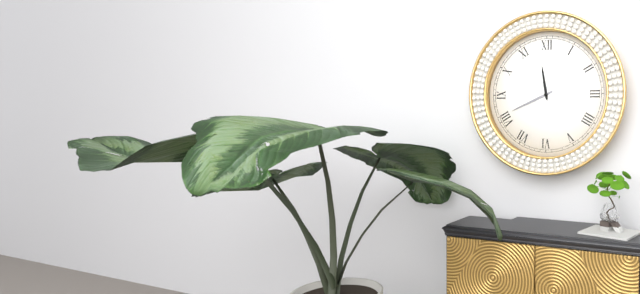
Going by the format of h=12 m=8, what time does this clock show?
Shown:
h=11 m=41
